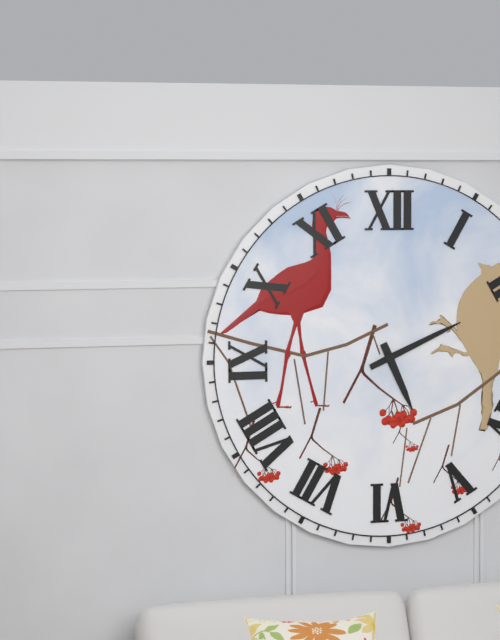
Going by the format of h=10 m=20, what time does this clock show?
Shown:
h=5 m=11
